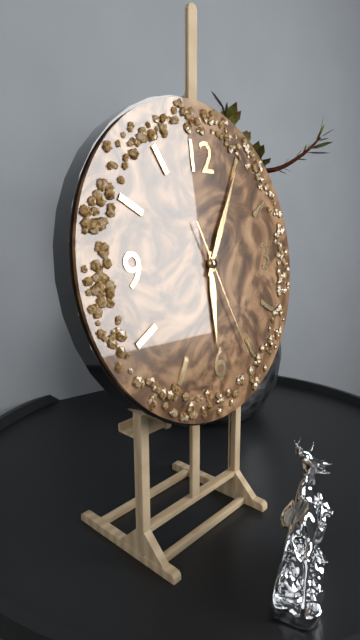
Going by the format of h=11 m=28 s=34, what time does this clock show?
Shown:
h=6 m=5 s=26
